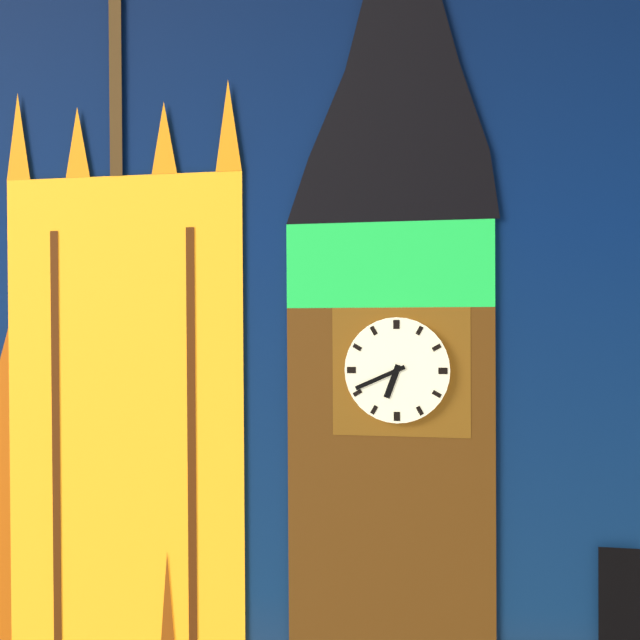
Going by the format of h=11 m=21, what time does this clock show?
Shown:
h=6 m=41
